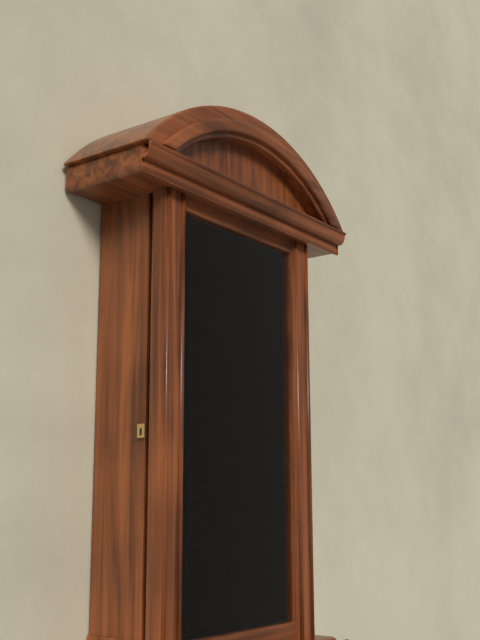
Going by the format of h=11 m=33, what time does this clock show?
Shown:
h=6 m=33
